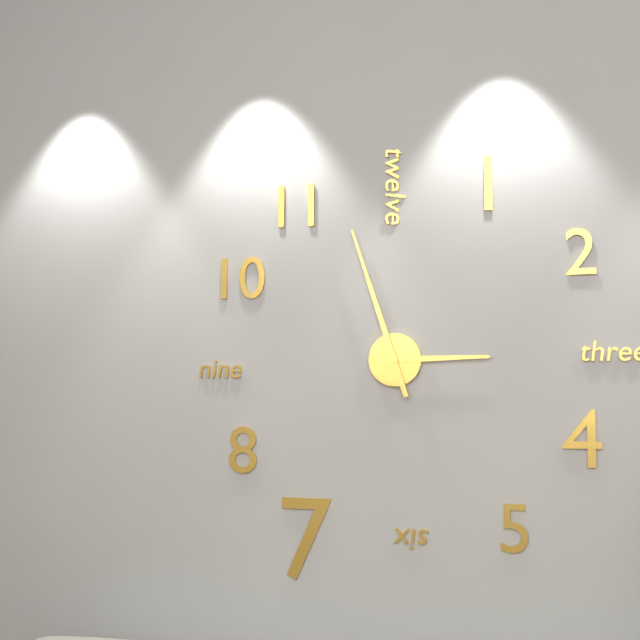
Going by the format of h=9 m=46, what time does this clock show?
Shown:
h=2 m=57
